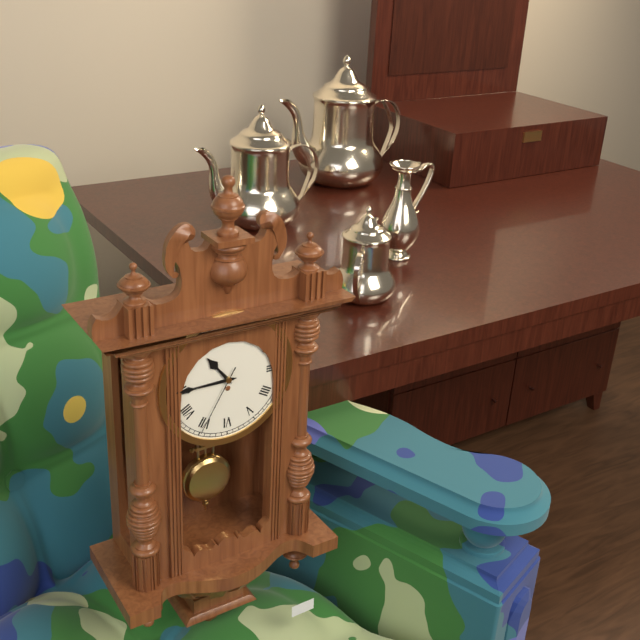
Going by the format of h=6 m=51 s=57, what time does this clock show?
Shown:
h=10 m=45 s=35
